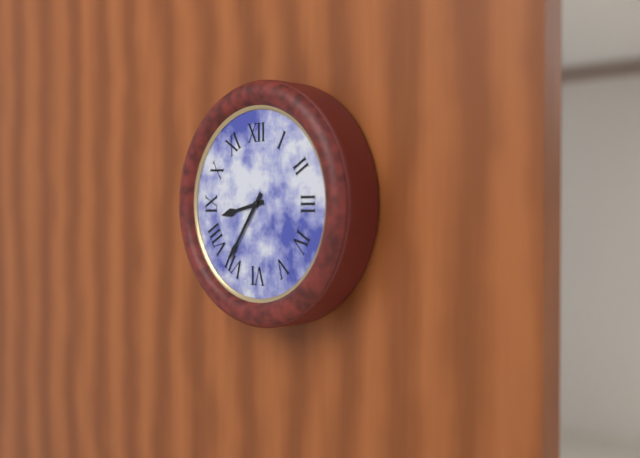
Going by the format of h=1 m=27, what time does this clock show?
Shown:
h=8 m=36
